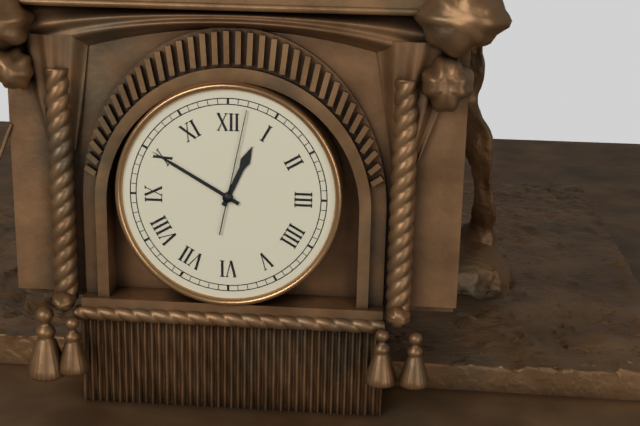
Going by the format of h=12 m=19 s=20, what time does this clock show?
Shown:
h=12 m=50 s=2
